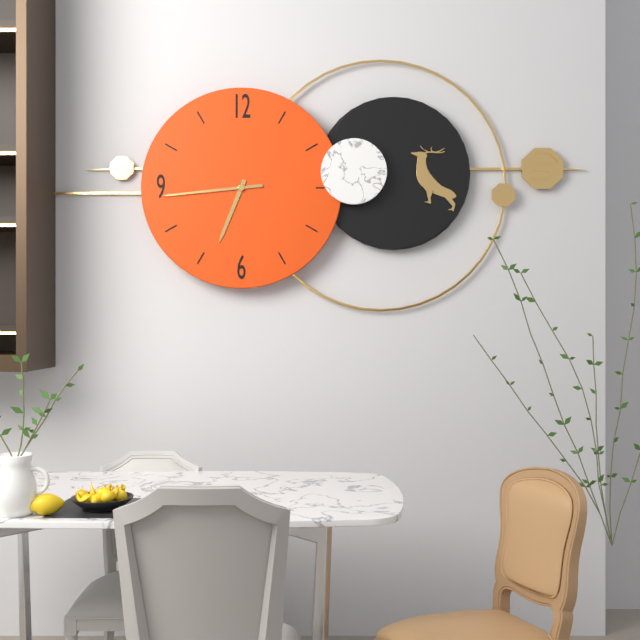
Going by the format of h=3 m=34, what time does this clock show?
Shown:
h=6 m=44
